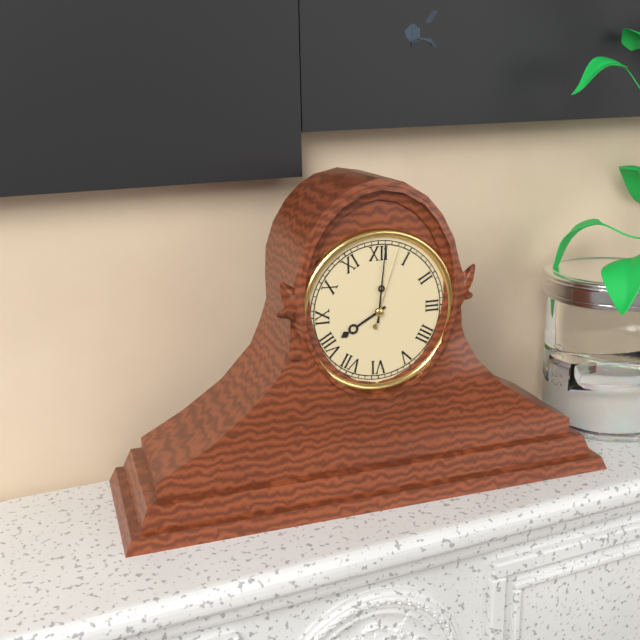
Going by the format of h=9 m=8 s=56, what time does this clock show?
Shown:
h=8 m=1 s=3
